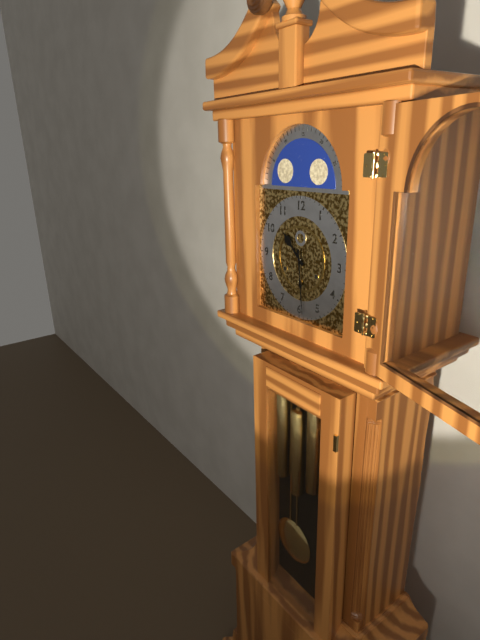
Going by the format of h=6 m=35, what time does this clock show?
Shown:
h=10 m=29
